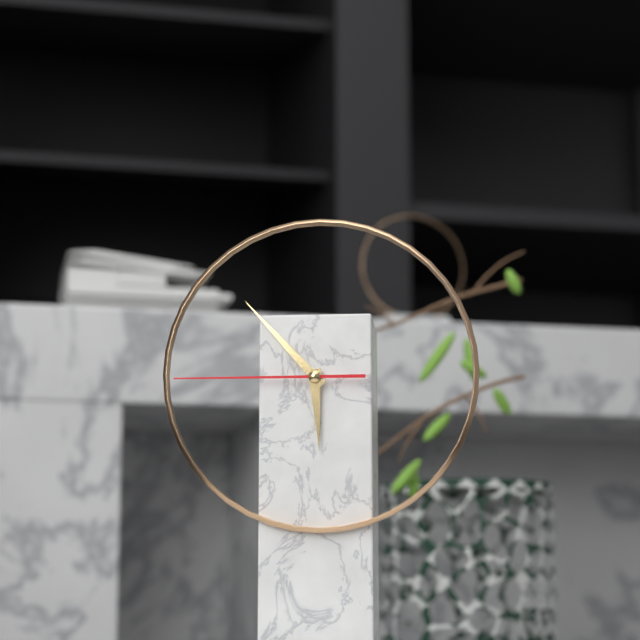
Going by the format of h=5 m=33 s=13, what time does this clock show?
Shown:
h=5 m=53 s=45
